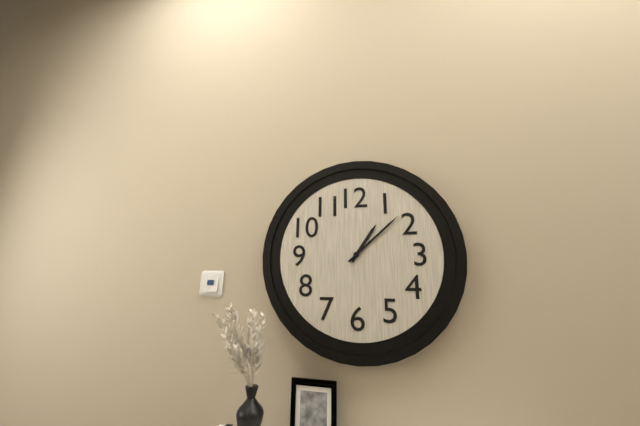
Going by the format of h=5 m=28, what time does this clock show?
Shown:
h=1 m=8
